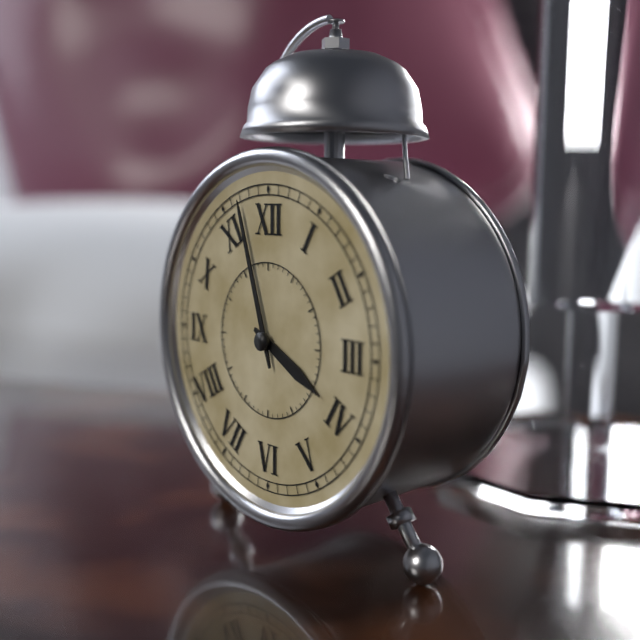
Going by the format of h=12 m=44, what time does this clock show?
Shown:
h=3 m=57
